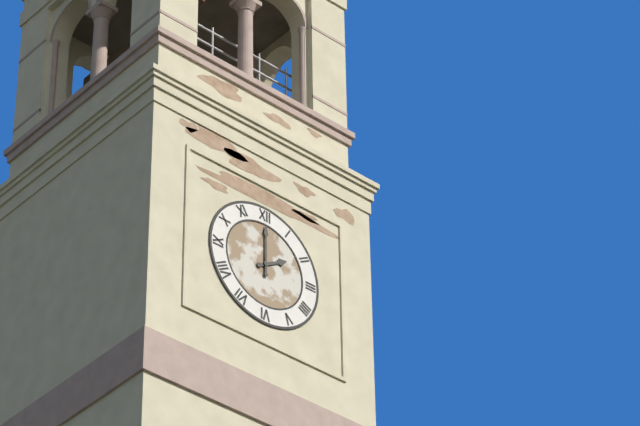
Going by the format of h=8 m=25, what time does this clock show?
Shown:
h=2 m=0
